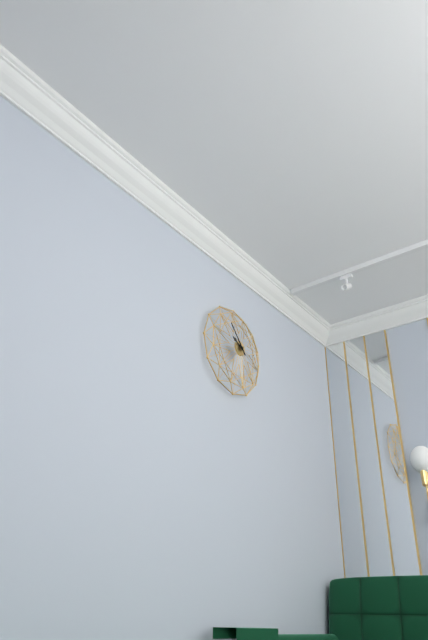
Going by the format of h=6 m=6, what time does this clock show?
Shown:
h=9 m=53
